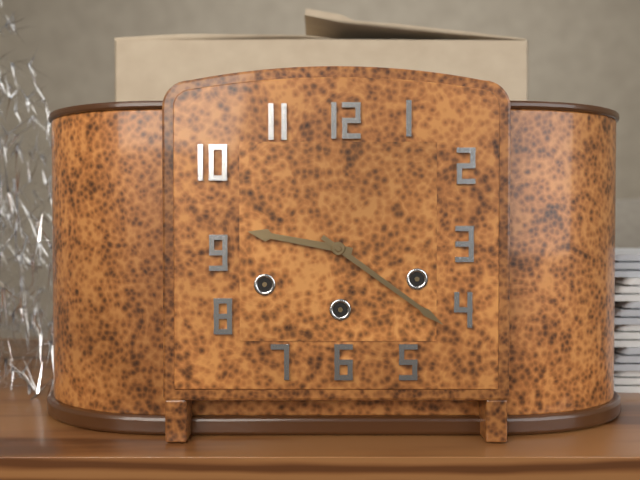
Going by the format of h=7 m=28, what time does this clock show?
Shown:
h=9 m=21
